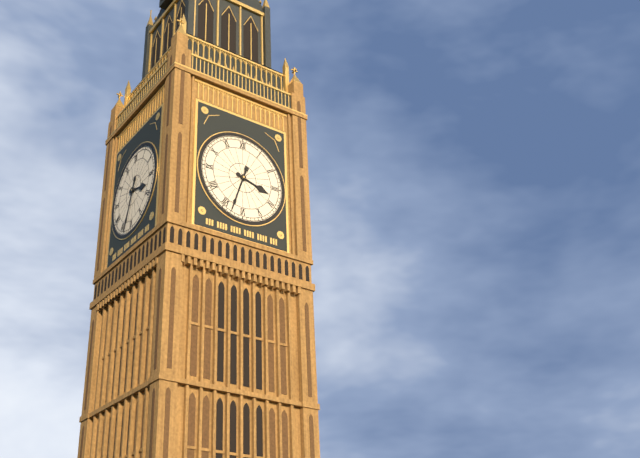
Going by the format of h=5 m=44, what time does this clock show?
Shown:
h=3 m=33
